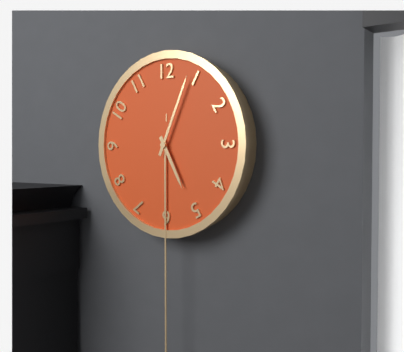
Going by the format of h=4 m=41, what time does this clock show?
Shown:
h=5 m=4
